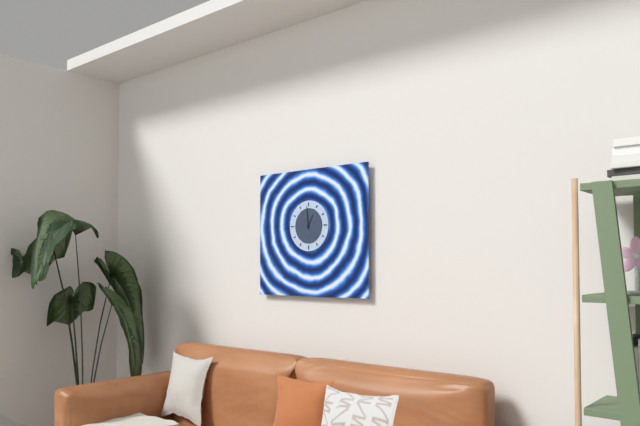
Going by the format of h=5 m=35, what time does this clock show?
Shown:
h=12 m=59
